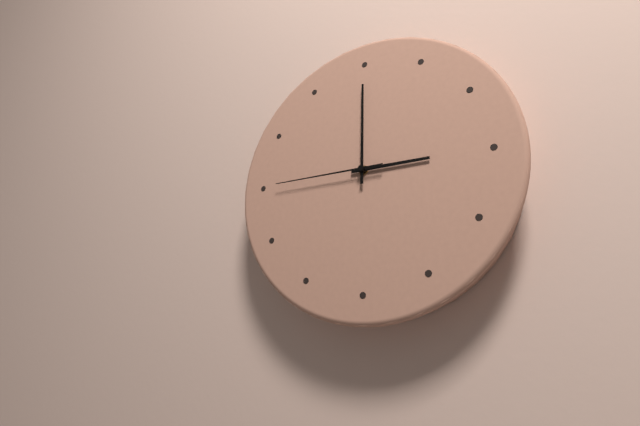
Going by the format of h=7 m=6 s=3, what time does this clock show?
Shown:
h=3 m=0 s=45
